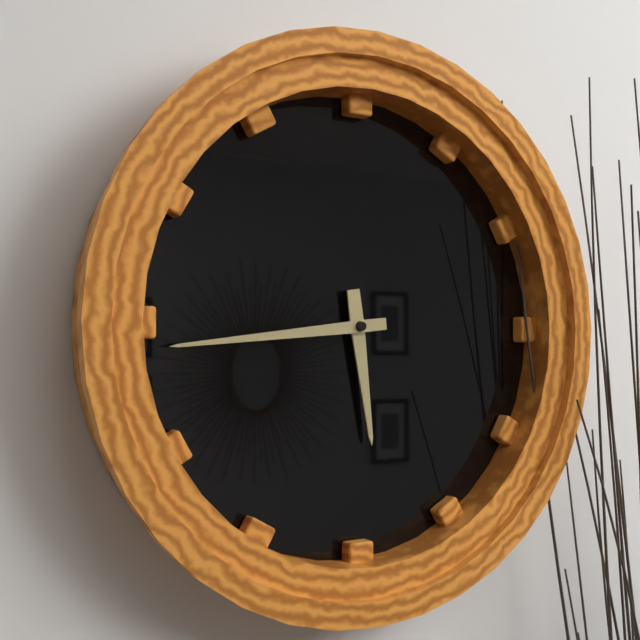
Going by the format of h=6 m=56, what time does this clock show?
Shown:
h=5 m=44
